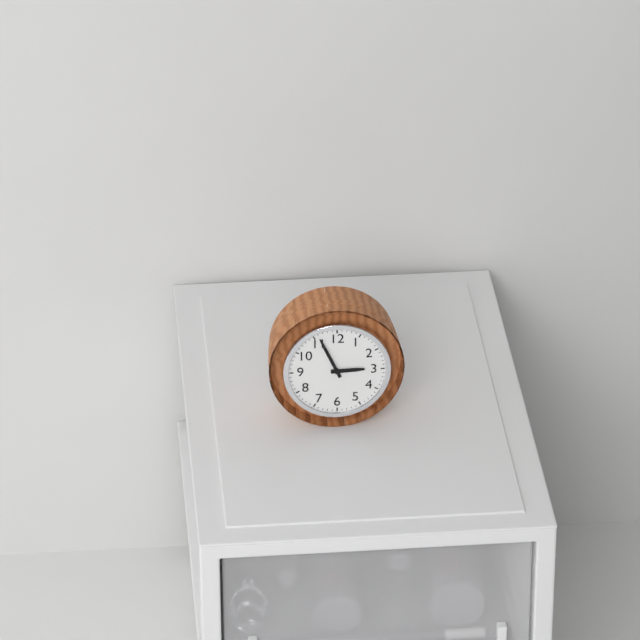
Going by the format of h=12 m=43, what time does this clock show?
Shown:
h=2 m=56
